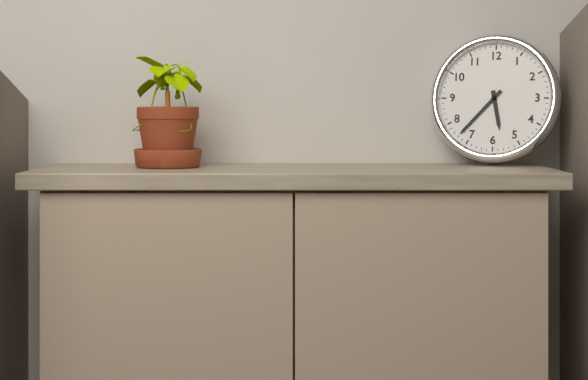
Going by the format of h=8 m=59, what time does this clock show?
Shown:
h=5 m=37
